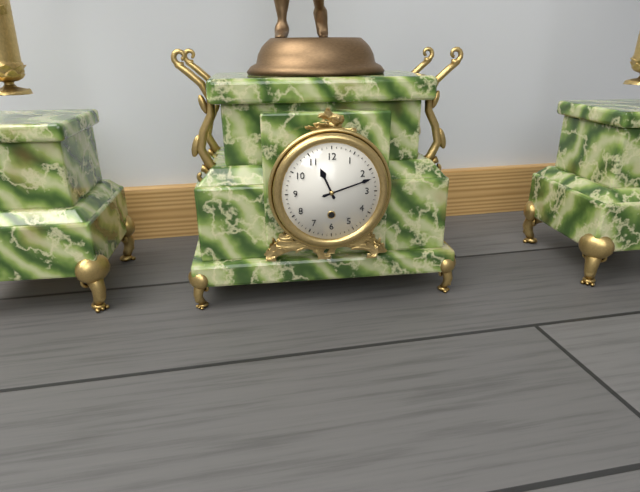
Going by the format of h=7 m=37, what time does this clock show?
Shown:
h=11 m=12
